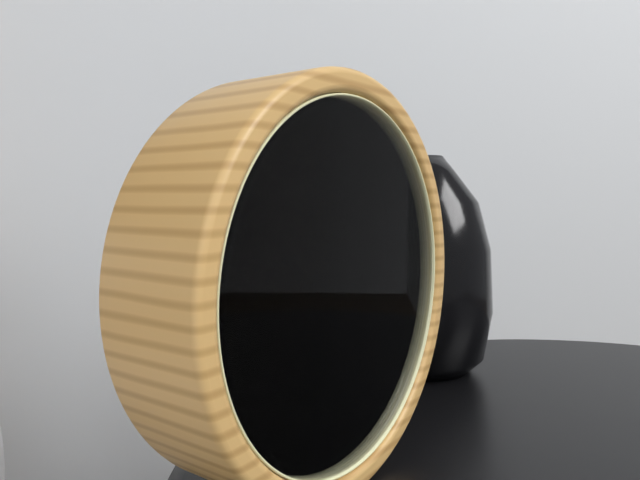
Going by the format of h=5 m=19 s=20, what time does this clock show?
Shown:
h=8 m=17 s=58
